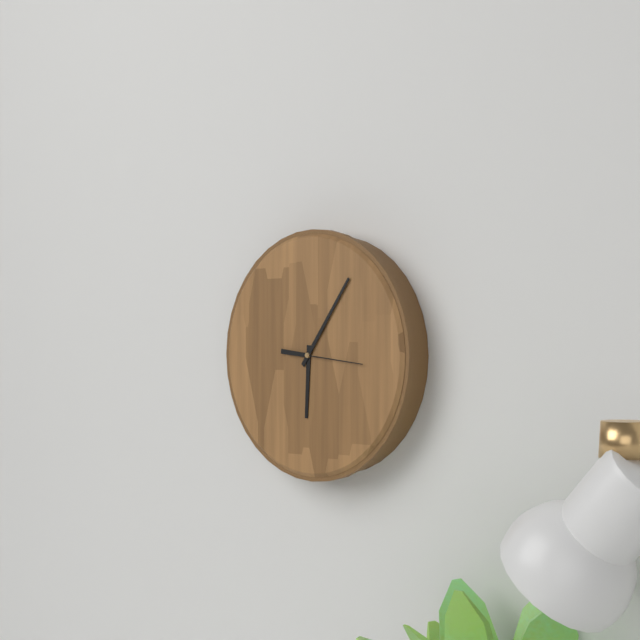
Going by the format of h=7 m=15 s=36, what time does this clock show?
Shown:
h=6 m=6 s=16
